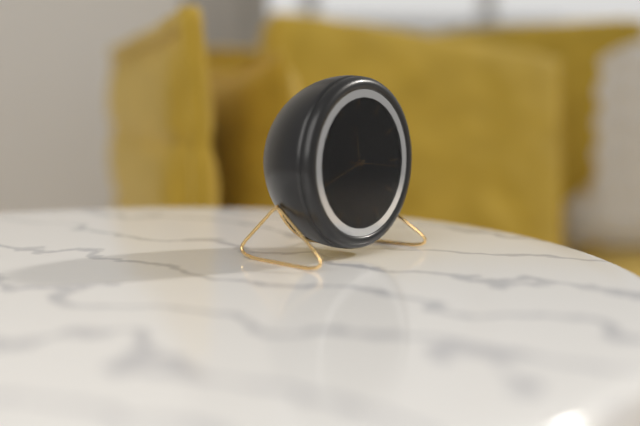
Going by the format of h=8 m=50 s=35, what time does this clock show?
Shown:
h=11 m=42 s=16
